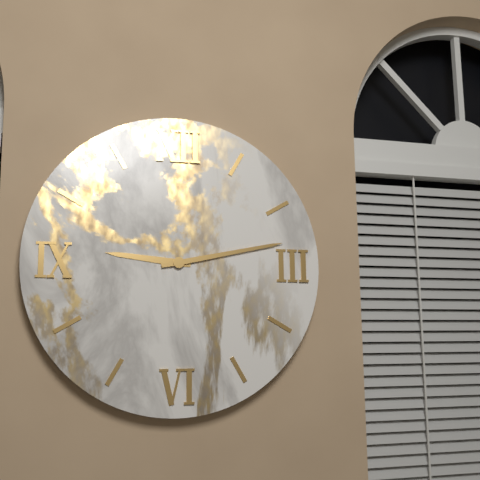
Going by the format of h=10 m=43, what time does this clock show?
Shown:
h=9 m=13
